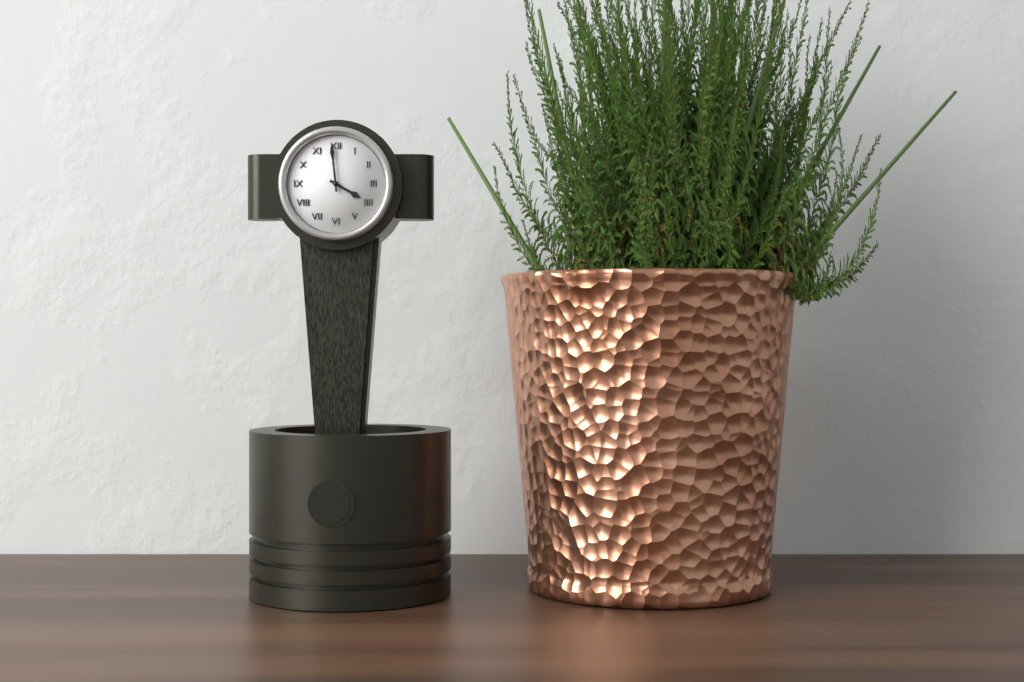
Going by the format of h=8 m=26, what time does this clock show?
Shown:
h=3 m=59
